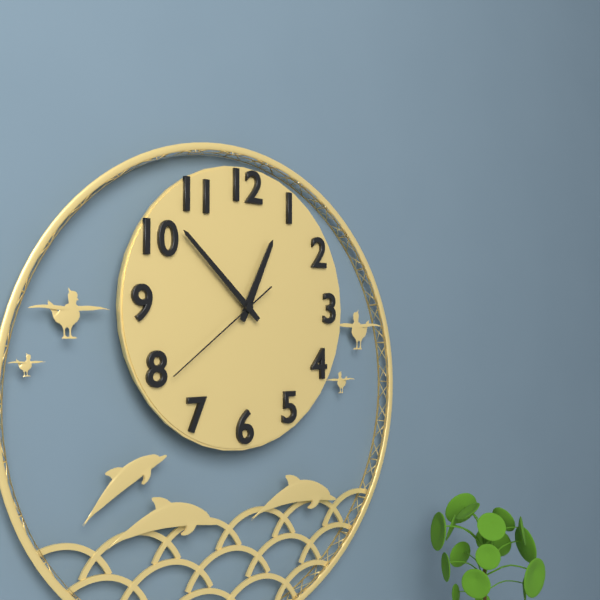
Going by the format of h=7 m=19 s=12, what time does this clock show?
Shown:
h=12 m=52 s=39
